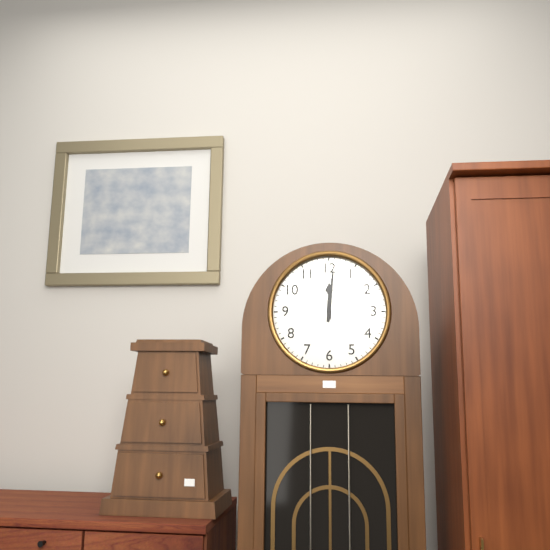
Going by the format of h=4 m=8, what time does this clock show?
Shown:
h=12 m=1
